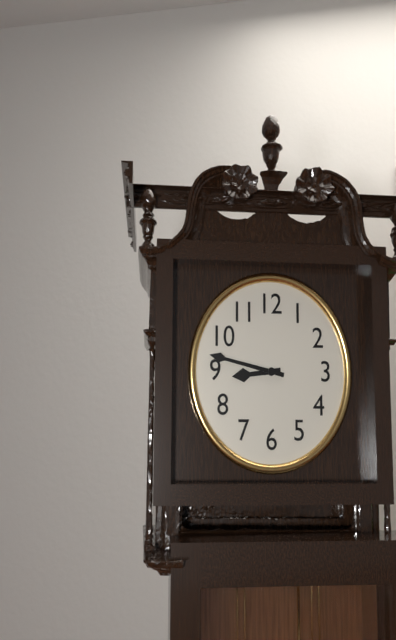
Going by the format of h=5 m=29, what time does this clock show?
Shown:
h=8 m=47
